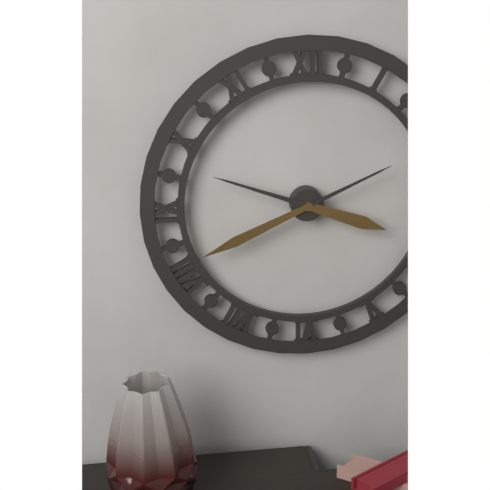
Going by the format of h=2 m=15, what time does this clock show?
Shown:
h=3 m=41
